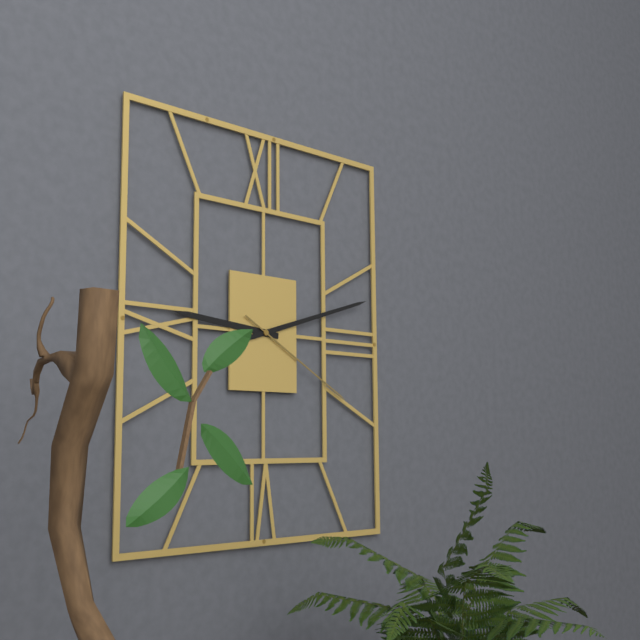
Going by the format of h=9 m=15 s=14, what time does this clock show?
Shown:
h=9 m=12 s=20
